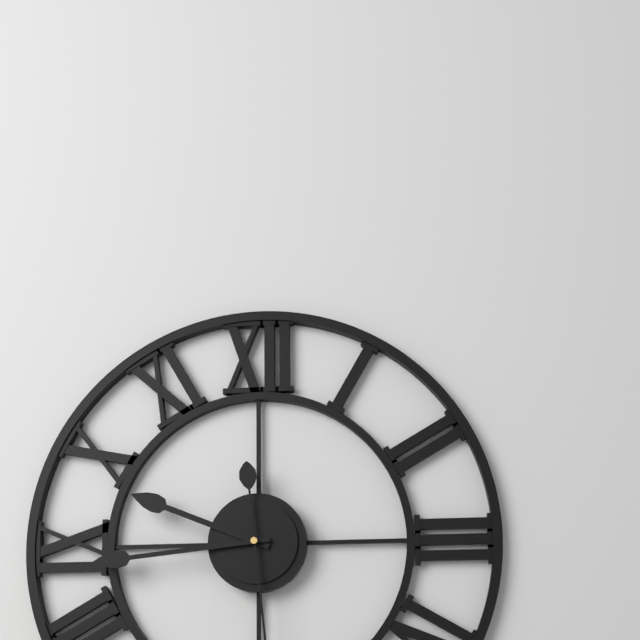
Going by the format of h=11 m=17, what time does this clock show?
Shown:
h=9 m=44
